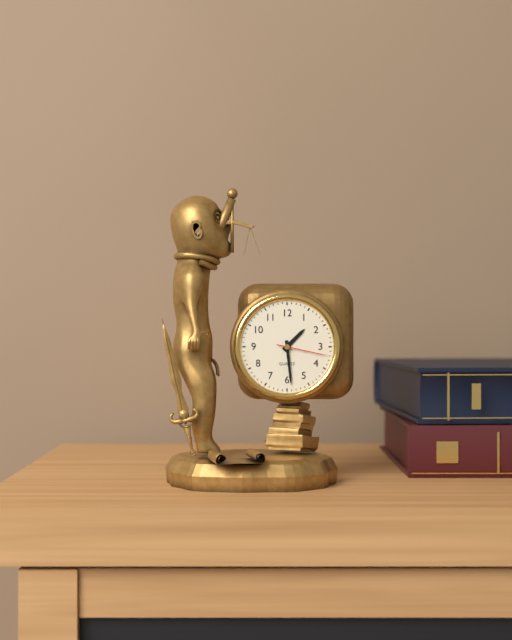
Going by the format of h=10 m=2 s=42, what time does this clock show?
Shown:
h=1 m=29 s=17
